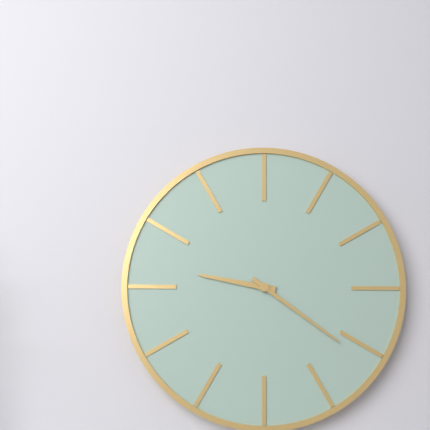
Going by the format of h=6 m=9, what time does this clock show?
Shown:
h=9 m=21
